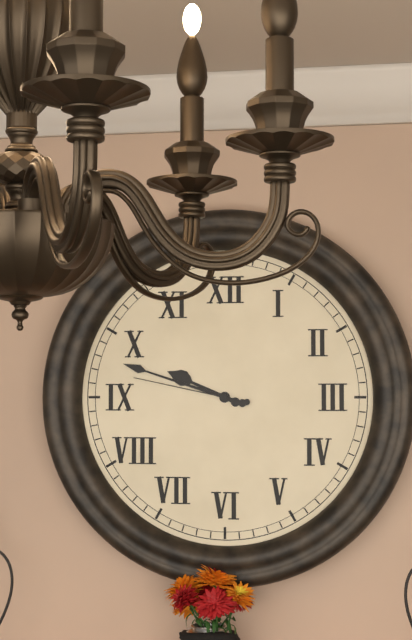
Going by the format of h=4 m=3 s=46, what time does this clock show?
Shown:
h=9 m=48 s=47
